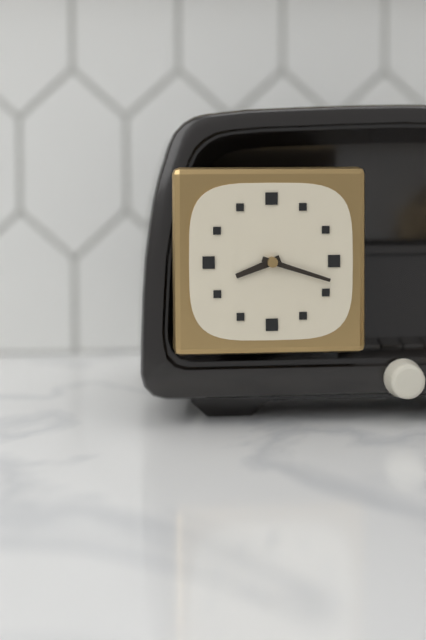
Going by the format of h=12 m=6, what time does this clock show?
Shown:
h=8 m=18
